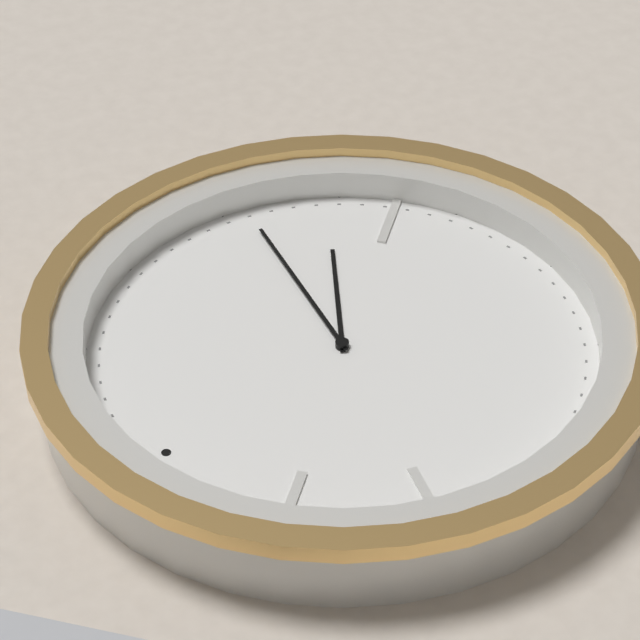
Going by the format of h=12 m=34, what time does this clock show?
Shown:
h=4 m=18
